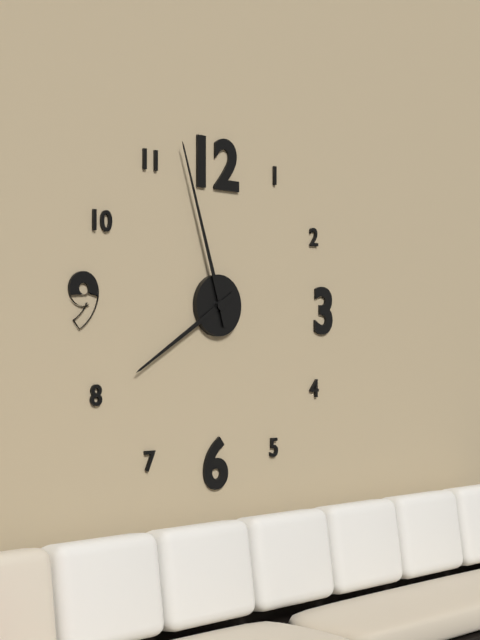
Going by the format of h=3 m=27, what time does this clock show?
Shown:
h=7 m=57
